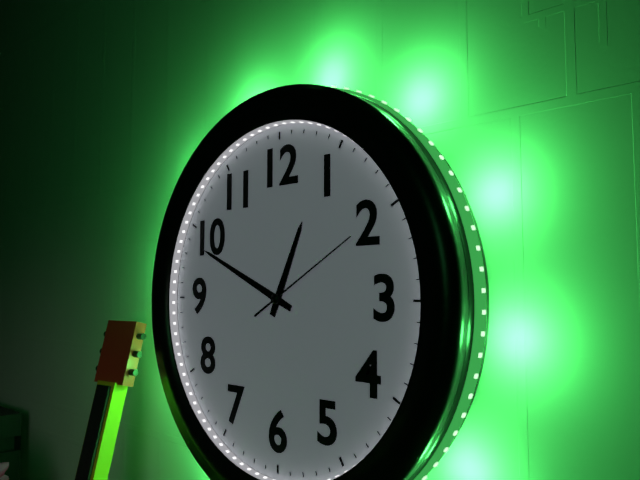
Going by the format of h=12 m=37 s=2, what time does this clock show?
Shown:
h=12 m=49 s=10
